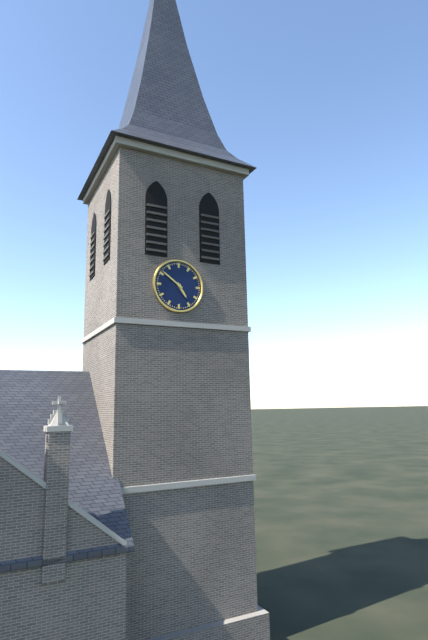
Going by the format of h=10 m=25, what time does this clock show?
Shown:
h=4 m=51
